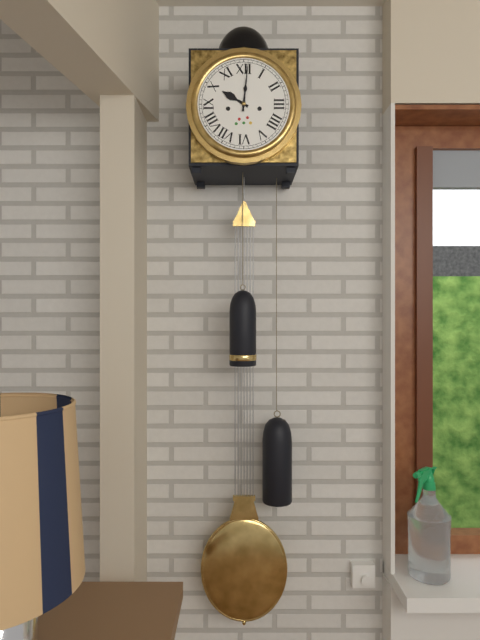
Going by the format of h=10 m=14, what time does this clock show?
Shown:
h=10 m=1
